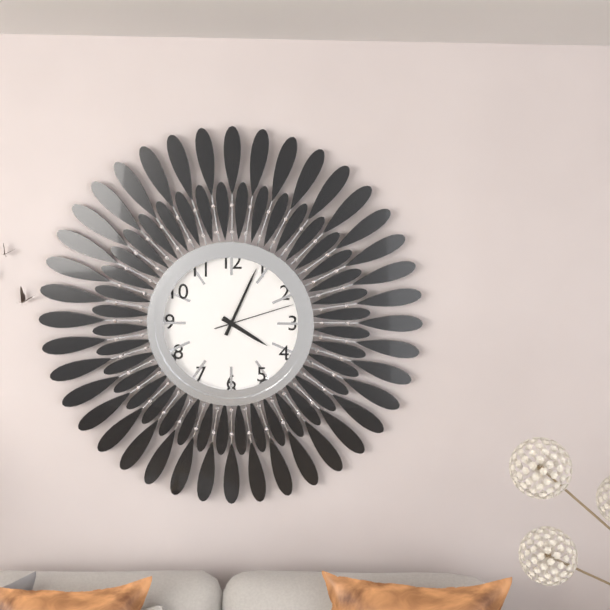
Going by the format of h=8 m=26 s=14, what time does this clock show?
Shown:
h=4 m=4 s=12
